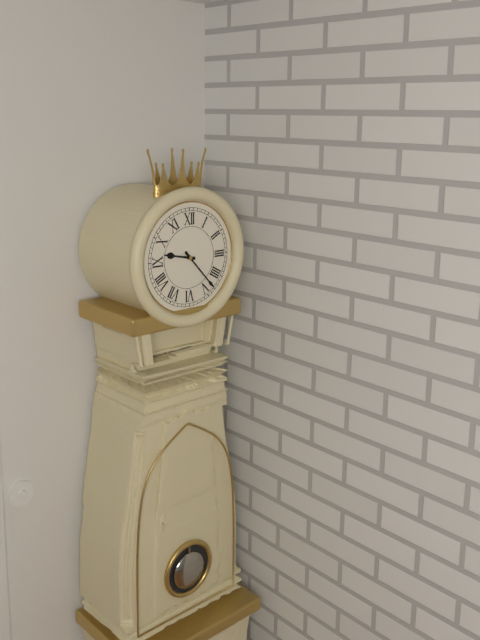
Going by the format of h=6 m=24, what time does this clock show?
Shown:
h=9 m=23
